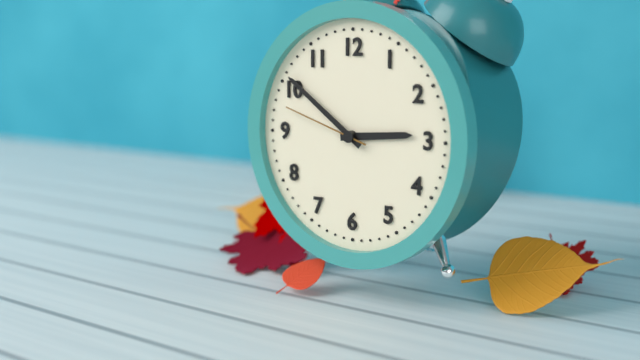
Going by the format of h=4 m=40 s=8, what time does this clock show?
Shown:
h=2 m=51 s=48
